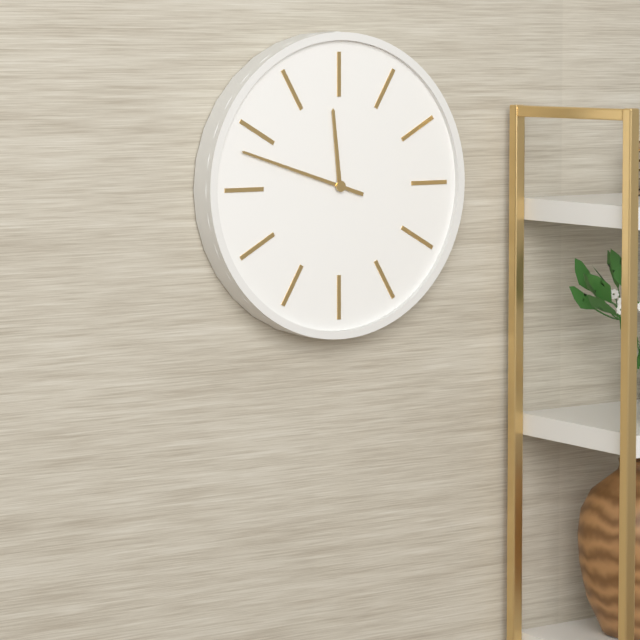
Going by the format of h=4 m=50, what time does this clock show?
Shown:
h=11 m=48
